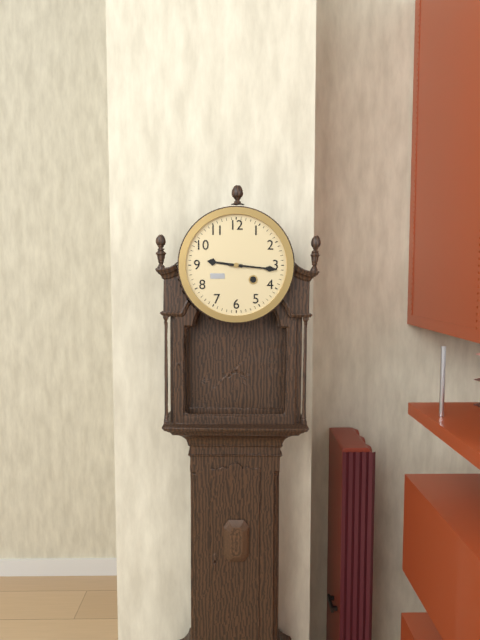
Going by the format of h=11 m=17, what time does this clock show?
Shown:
h=9 m=16
